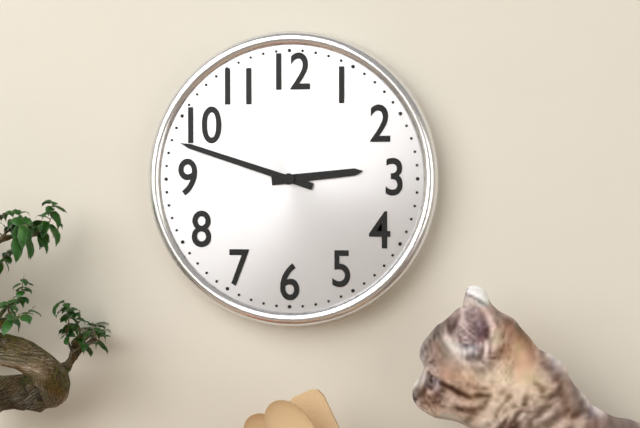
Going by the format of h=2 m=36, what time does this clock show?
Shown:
h=2 m=48
